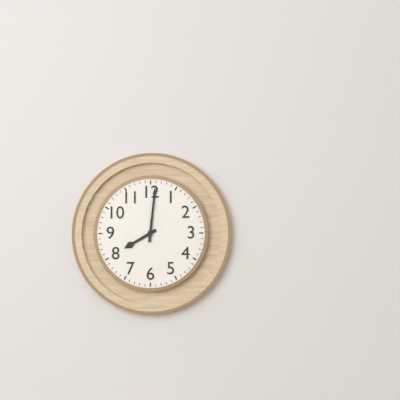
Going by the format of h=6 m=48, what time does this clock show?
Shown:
h=8 m=1
